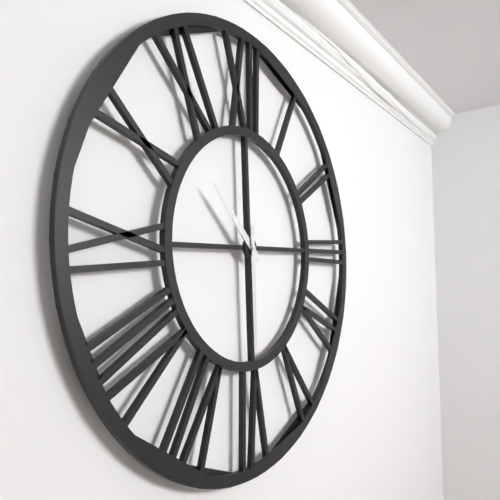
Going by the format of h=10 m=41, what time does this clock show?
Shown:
h=10 m=30
